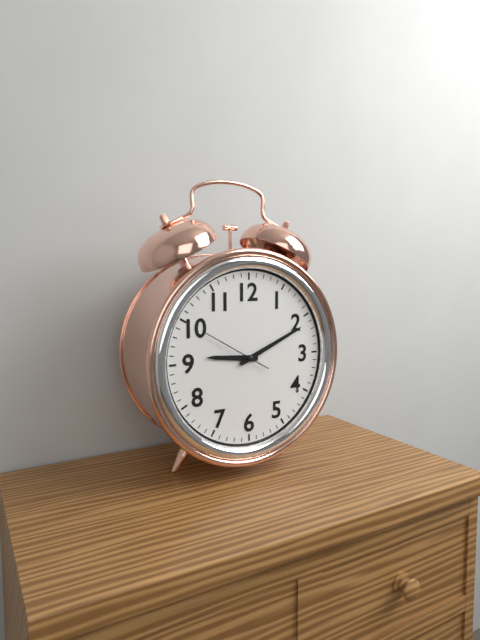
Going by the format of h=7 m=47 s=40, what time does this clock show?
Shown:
h=9 m=11 s=50
